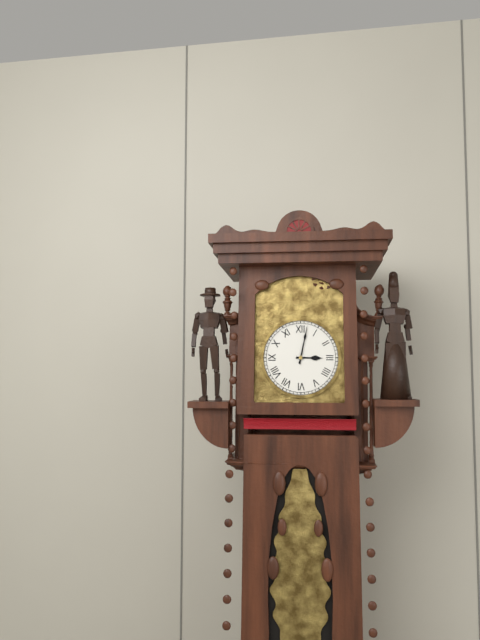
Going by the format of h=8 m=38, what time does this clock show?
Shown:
h=3 m=2
